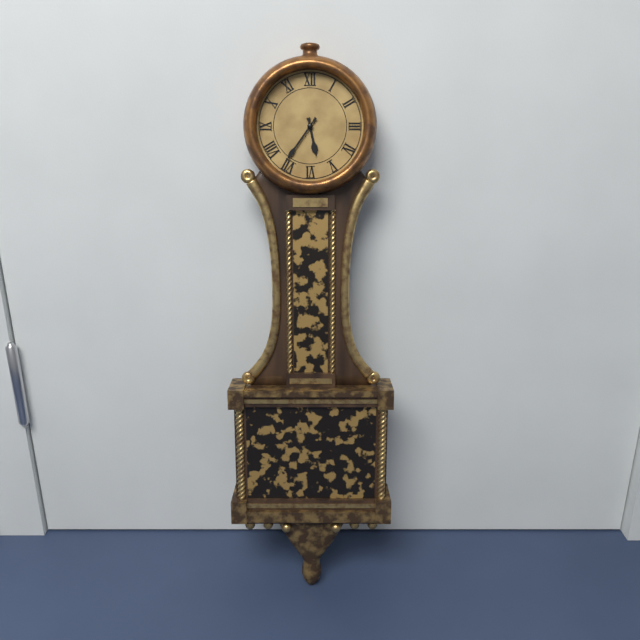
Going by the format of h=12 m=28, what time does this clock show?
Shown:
h=5 m=36
